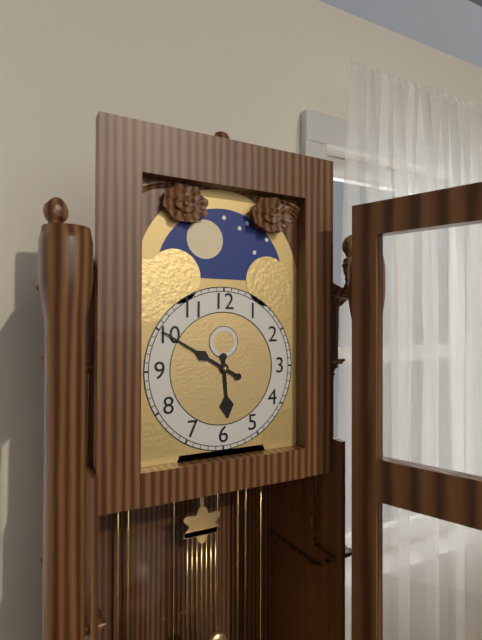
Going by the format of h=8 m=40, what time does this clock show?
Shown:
h=5 m=50
